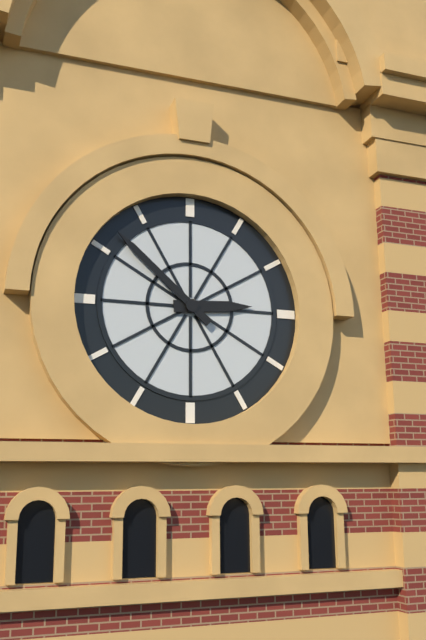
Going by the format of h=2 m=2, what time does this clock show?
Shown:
h=2 m=52
